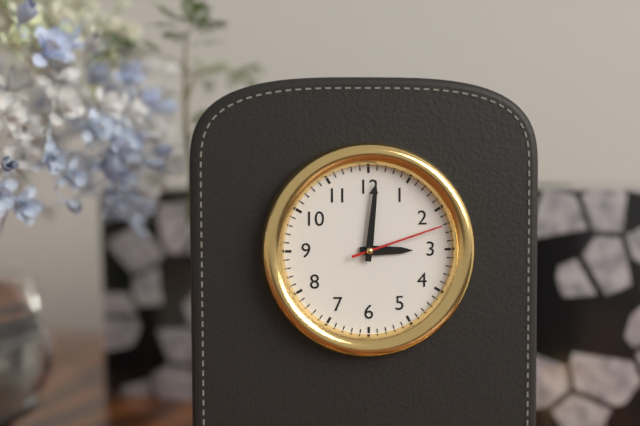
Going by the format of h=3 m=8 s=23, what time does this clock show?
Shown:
h=3 m=1 s=12
